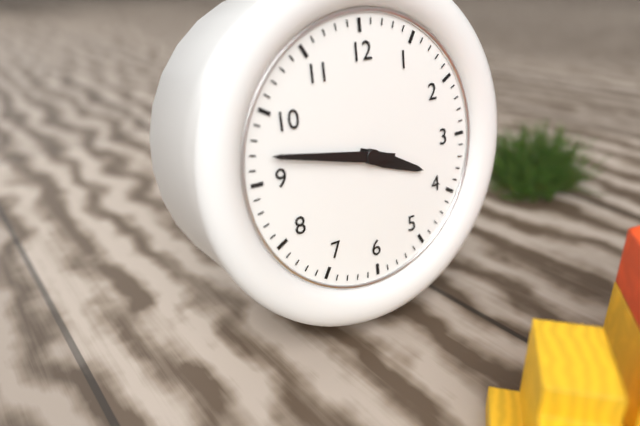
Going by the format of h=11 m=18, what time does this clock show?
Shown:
h=3 m=47
